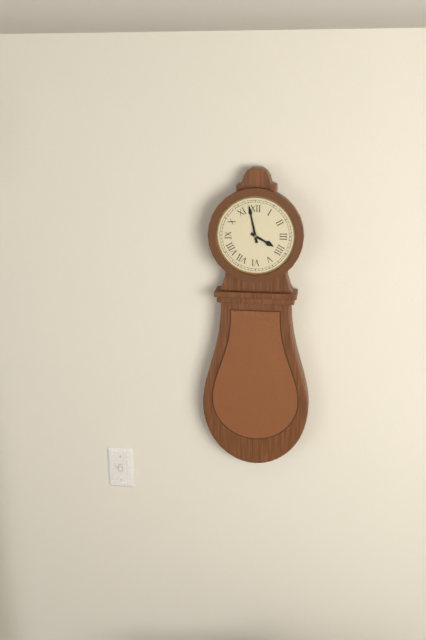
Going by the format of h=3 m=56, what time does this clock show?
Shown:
h=3 m=58
